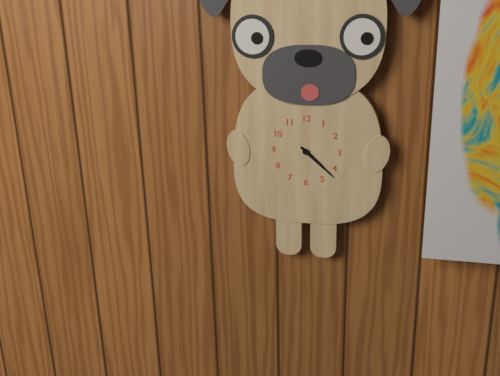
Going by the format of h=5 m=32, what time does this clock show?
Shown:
h=4 m=22
